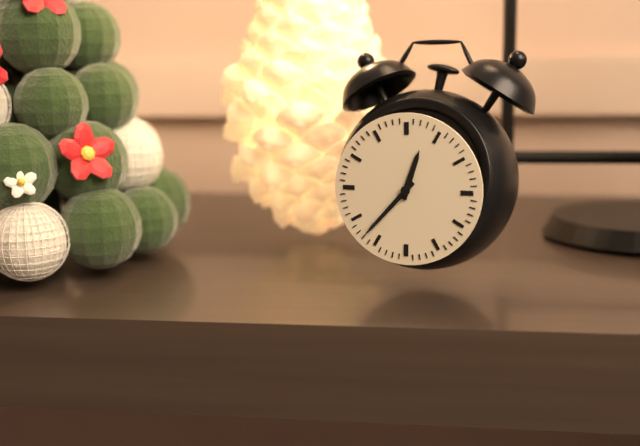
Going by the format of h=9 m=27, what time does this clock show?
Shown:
h=12 m=37
